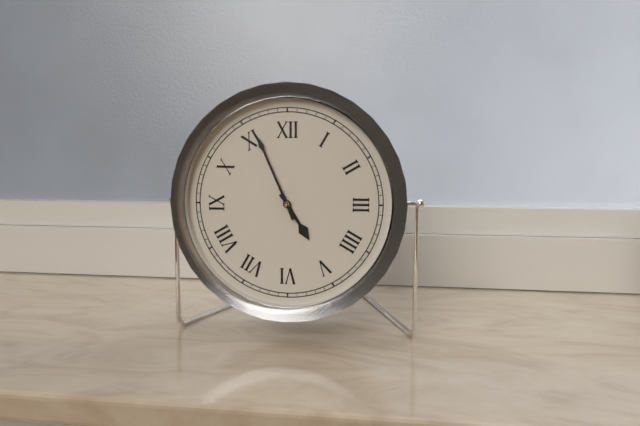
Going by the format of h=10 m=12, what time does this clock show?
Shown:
h=4 m=56
